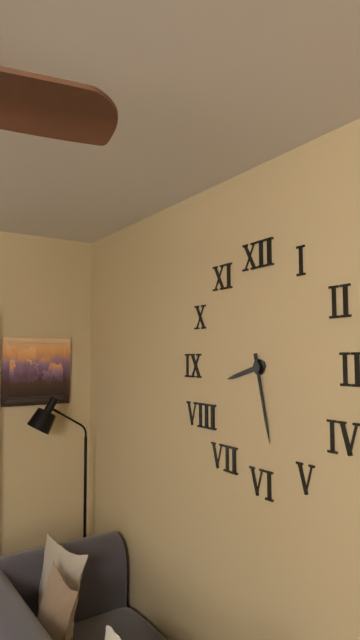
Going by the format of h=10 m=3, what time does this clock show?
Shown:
h=8 m=28
